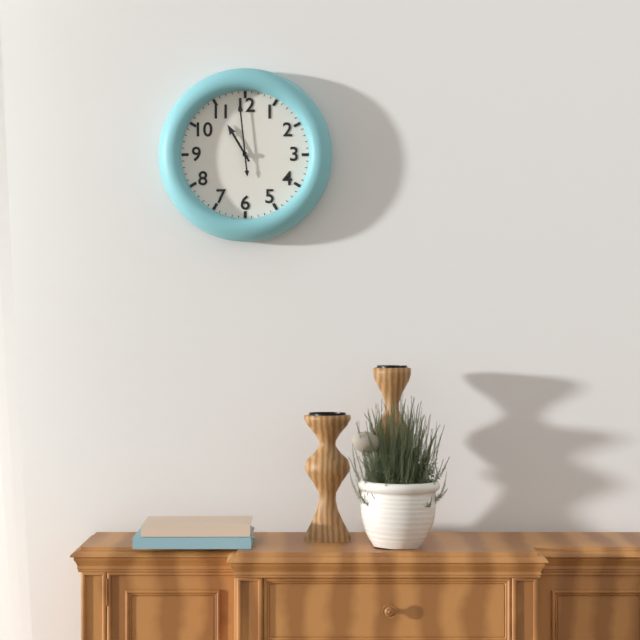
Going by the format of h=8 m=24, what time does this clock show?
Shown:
h=10 m=59
